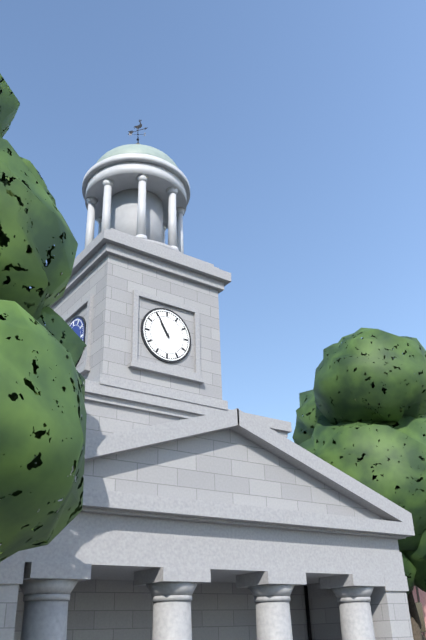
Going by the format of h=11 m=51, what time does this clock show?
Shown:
h=10 m=55
